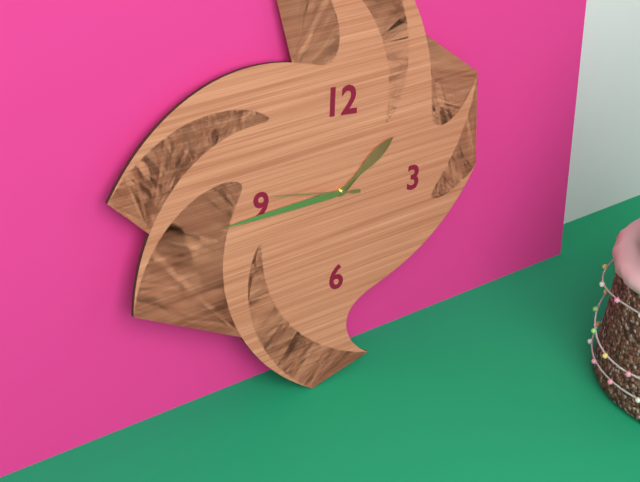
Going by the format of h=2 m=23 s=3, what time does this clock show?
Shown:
h=1 m=44 s=46
